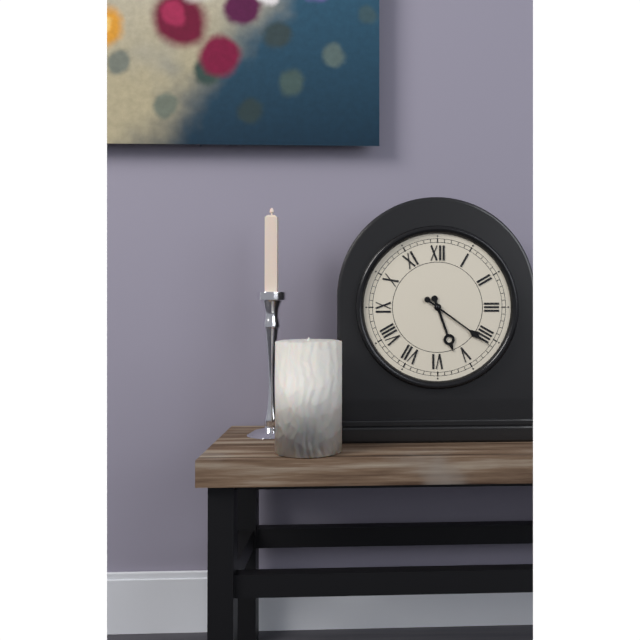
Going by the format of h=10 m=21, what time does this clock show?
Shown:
h=5 m=21
